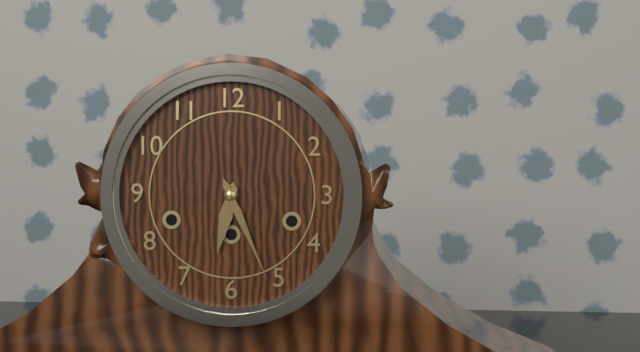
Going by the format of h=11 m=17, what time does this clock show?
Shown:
h=6 m=26
